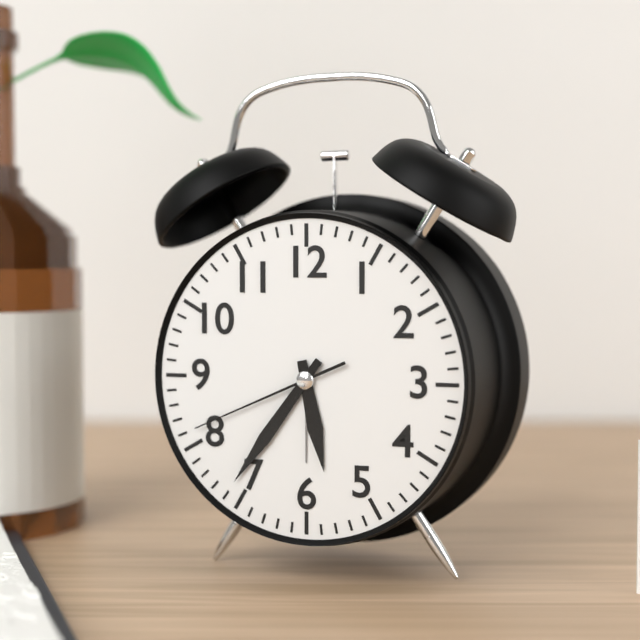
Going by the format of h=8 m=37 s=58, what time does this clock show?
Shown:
h=5 m=36 s=41
